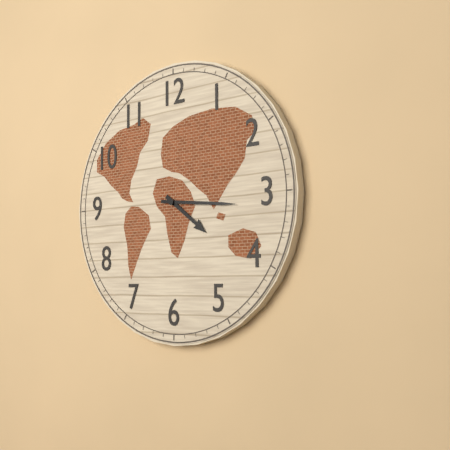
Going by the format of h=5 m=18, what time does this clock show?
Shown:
h=4 m=16
